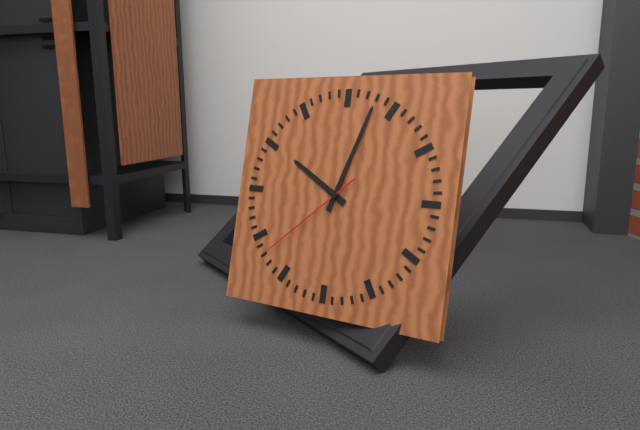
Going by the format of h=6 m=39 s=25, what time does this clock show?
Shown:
h=10 m=3 s=38
